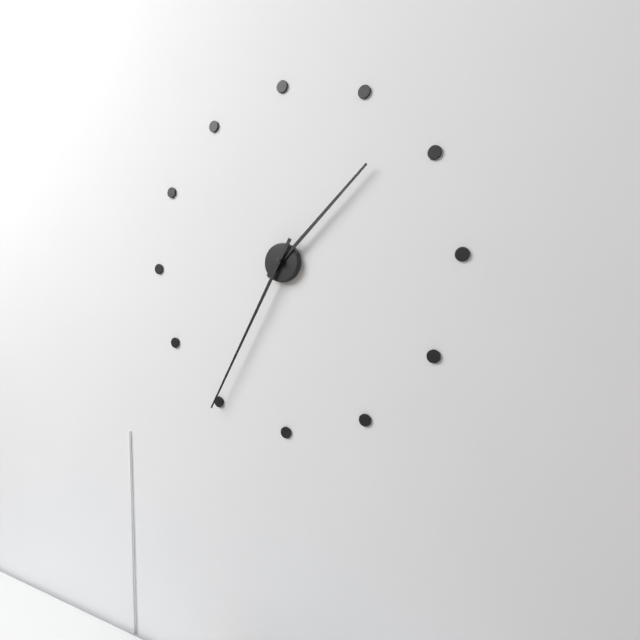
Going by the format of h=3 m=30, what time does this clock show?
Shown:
h=1 m=35
